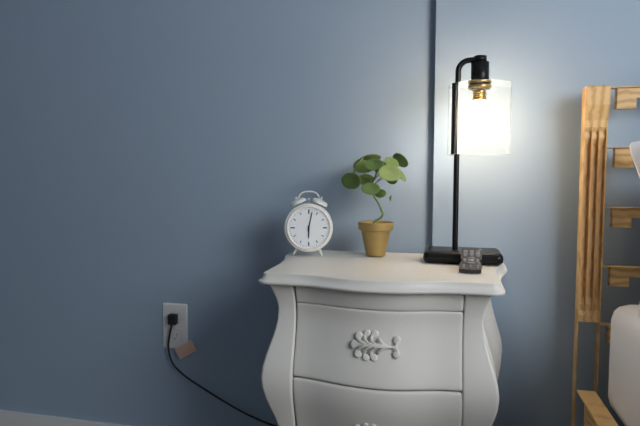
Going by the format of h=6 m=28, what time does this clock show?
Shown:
h=6 m=2
